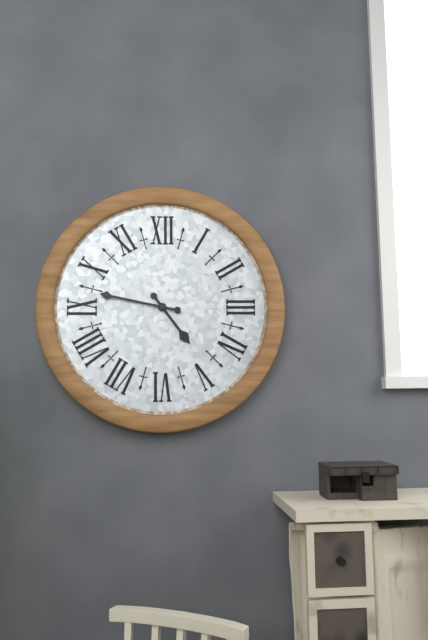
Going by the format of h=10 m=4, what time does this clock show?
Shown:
h=4 m=47
